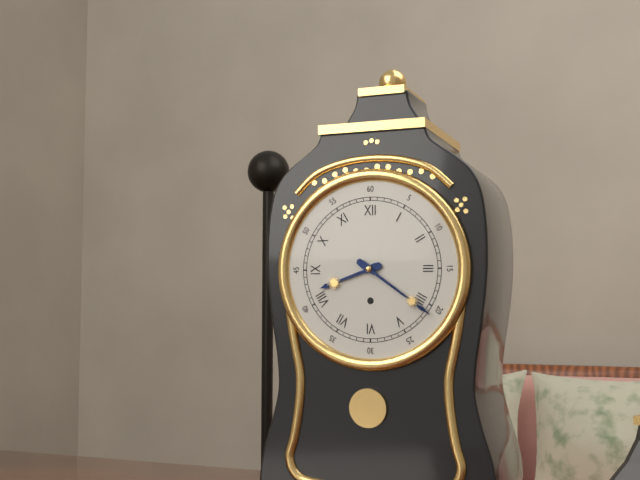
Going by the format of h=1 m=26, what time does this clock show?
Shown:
h=8 m=21
